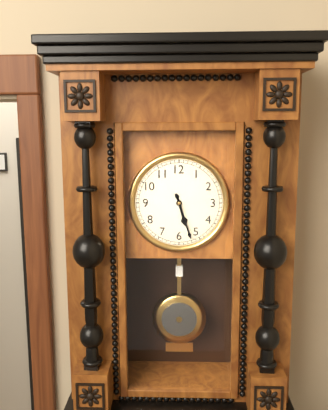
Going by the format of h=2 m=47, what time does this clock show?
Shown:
h=5 m=27
